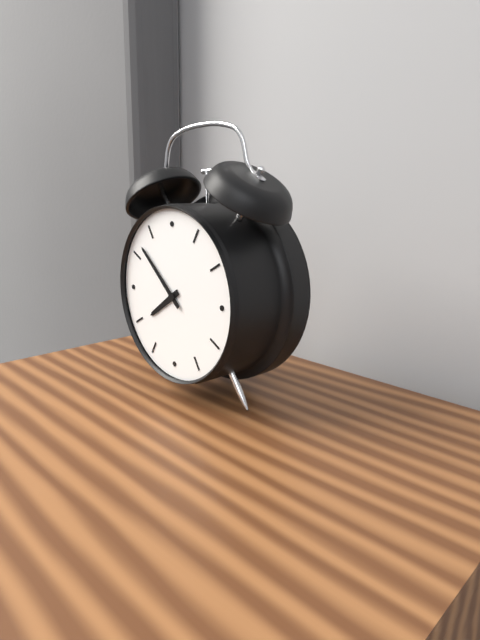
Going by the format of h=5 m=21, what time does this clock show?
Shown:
h=7 m=52
